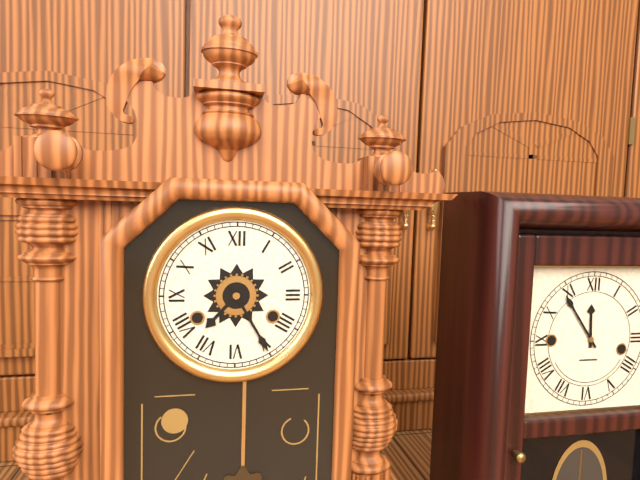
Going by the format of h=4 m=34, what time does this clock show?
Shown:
h=7 m=25
